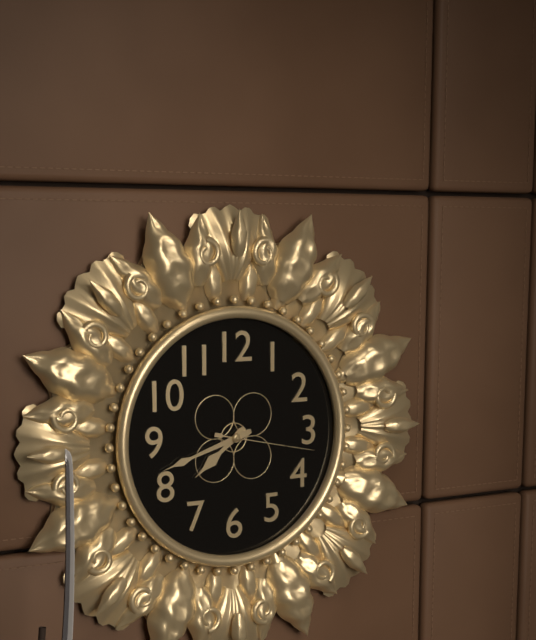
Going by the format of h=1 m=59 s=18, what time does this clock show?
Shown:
h=7 m=42 s=17
